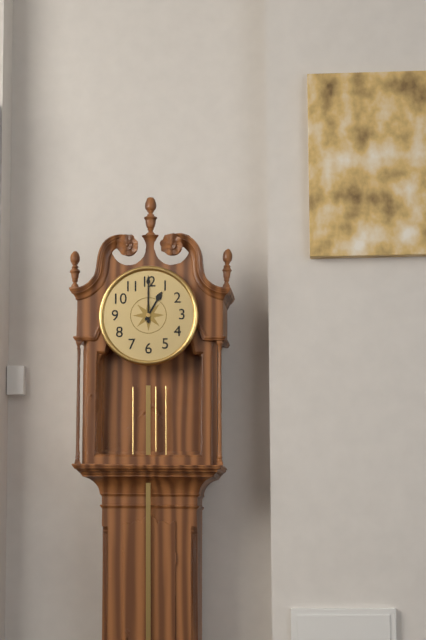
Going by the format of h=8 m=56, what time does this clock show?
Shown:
h=1 m=0
